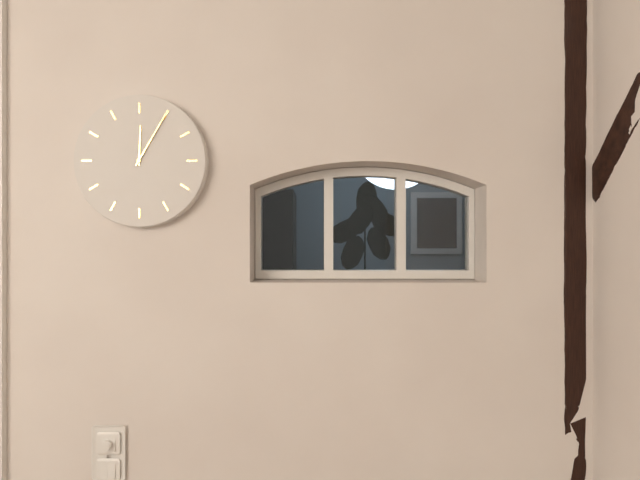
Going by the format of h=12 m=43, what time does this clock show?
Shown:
h=12 m=5
